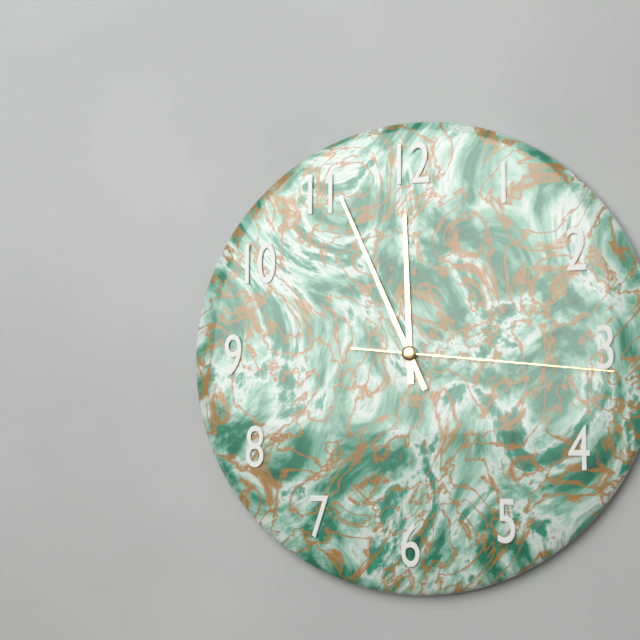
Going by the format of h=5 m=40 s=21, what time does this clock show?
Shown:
h=11 m=56 s=16
